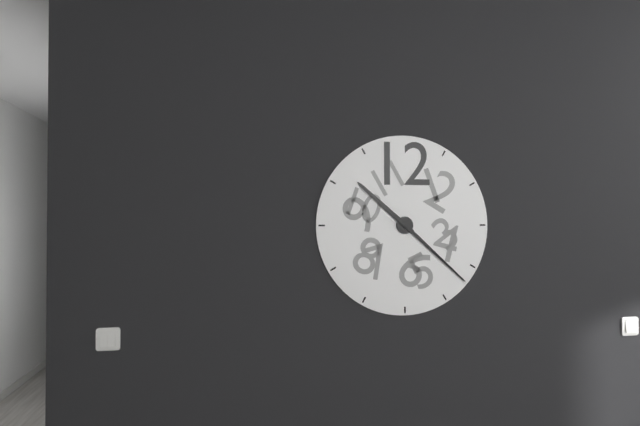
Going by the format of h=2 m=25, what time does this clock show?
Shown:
h=10 m=22
